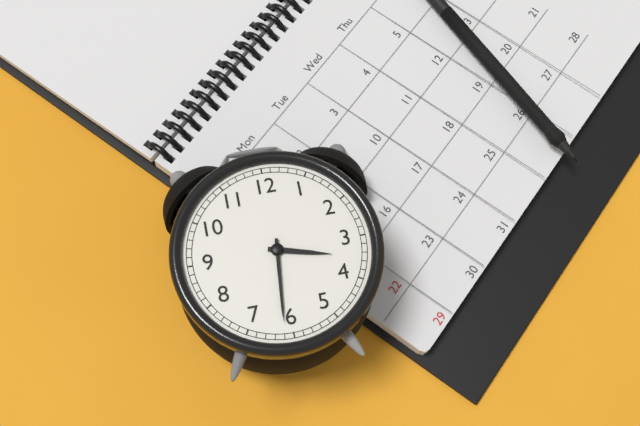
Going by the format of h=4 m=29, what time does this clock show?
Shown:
h=3 m=31
